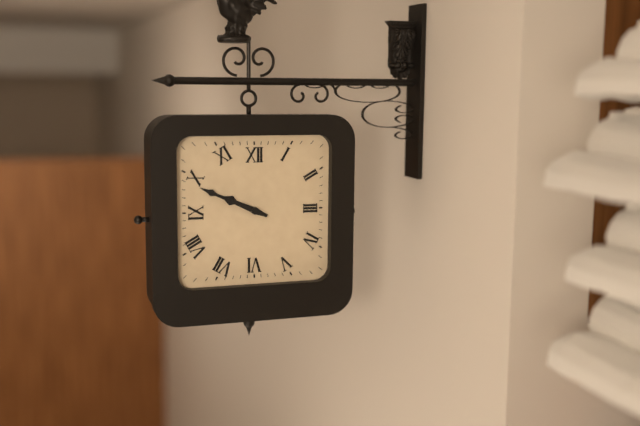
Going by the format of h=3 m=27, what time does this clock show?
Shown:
h=9 m=49
